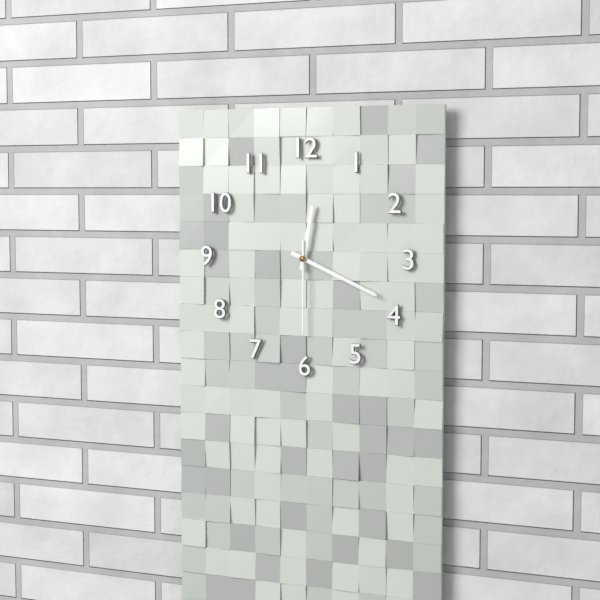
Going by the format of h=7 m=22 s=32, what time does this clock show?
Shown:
h=12 m=19 s=30
